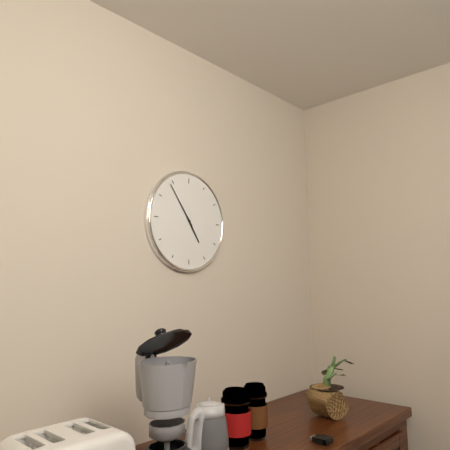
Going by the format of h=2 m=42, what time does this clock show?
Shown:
h=4 m=54
